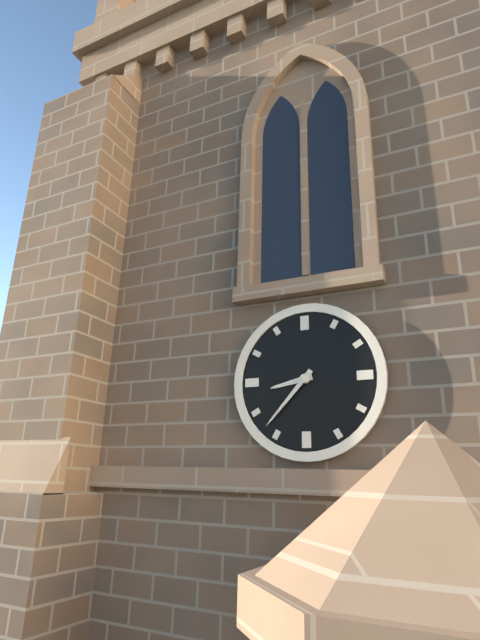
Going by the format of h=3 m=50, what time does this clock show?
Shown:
h=8 m=37
